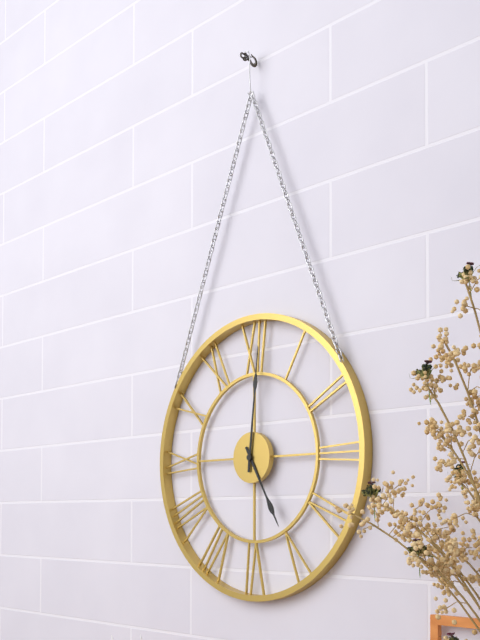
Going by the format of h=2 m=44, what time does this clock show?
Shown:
h=5 m=1
